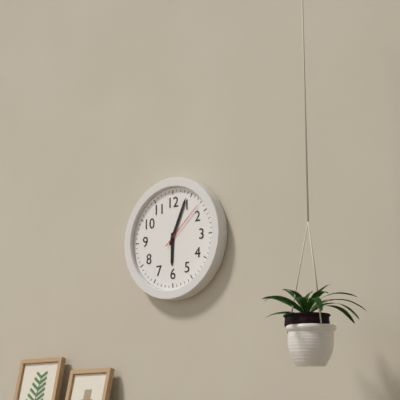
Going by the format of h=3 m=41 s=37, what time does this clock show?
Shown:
h=6 m=4 s=8
